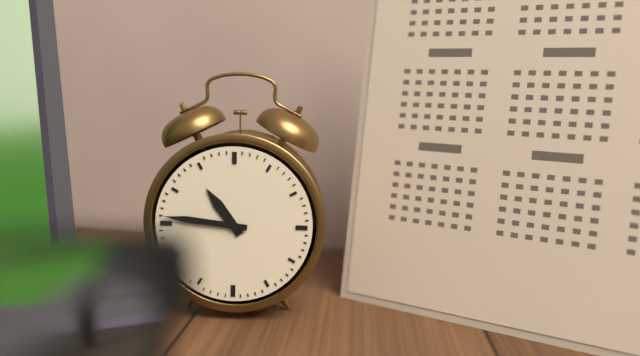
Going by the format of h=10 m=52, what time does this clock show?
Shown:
h=10 m=46
